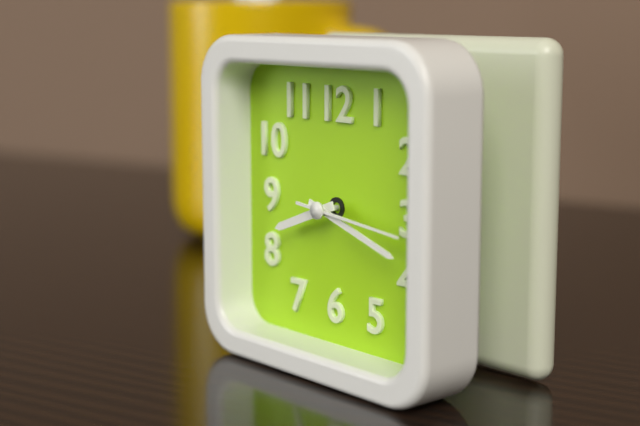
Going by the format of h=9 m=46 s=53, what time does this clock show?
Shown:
h=8 m=18 s=16
